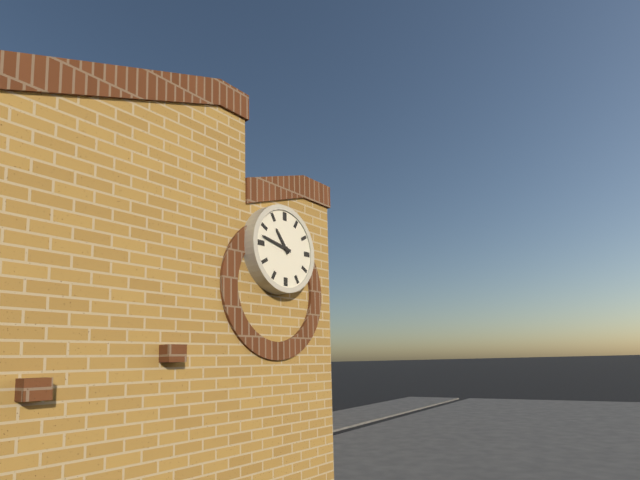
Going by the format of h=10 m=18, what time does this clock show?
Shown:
h=10 m=47
